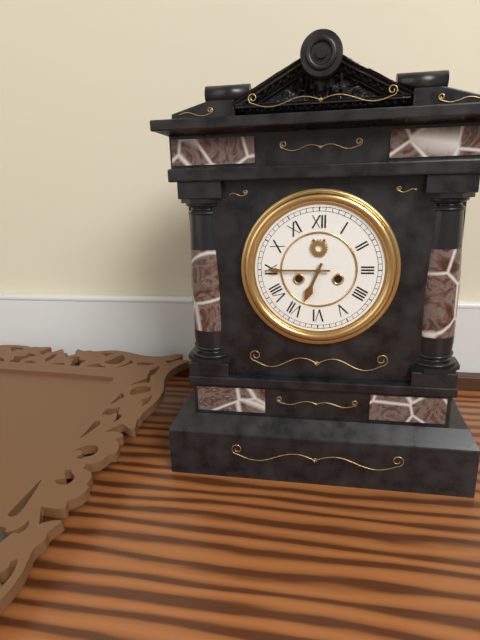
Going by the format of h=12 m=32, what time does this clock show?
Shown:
h=6 m=45
